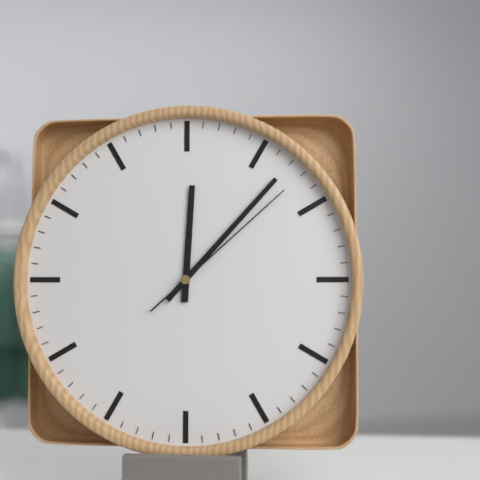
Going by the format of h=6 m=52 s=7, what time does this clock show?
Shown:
h=12 m=7 s=8
